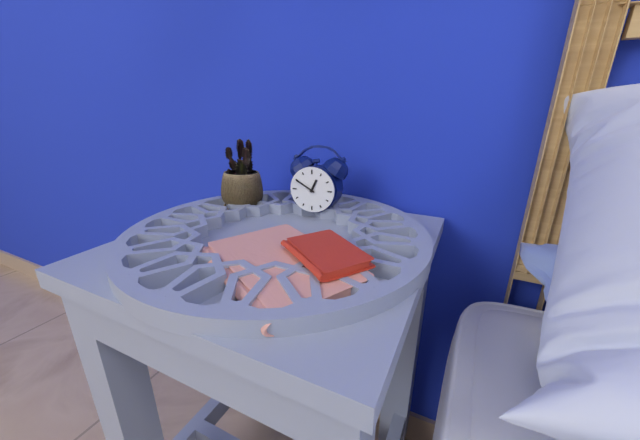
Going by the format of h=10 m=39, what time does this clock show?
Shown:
h=12 m=50
